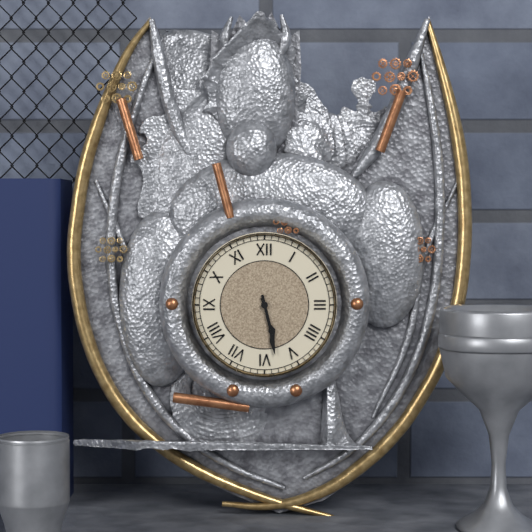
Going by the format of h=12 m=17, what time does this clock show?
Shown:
h=5 m=28
